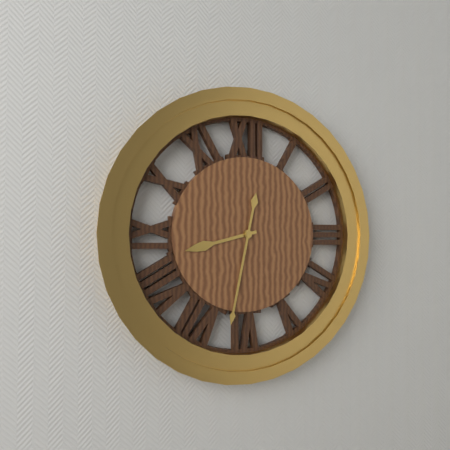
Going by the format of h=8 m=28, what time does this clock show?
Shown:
h=8 m=32
